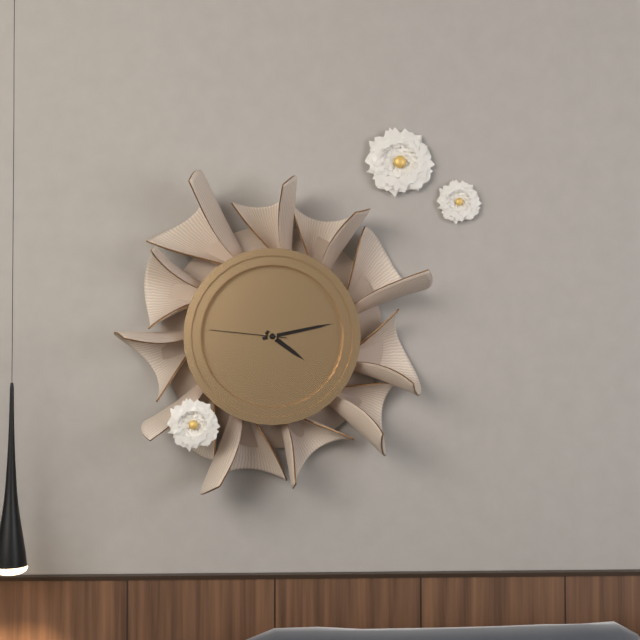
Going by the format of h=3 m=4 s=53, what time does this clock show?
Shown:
h=4 m=13 s=46
